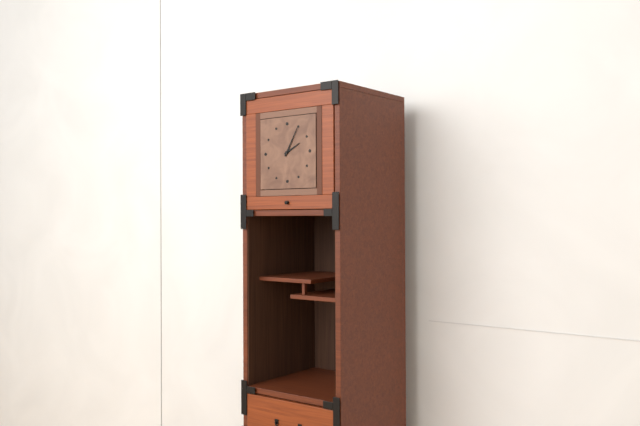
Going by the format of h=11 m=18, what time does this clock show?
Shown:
h=2 m=5
